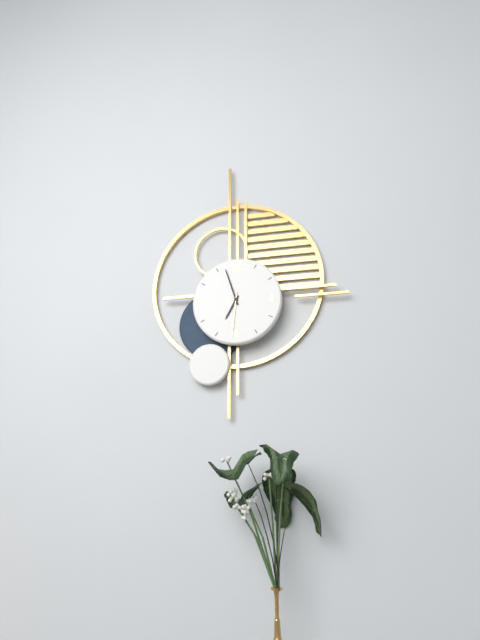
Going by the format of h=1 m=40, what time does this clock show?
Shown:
h=6 m=57
